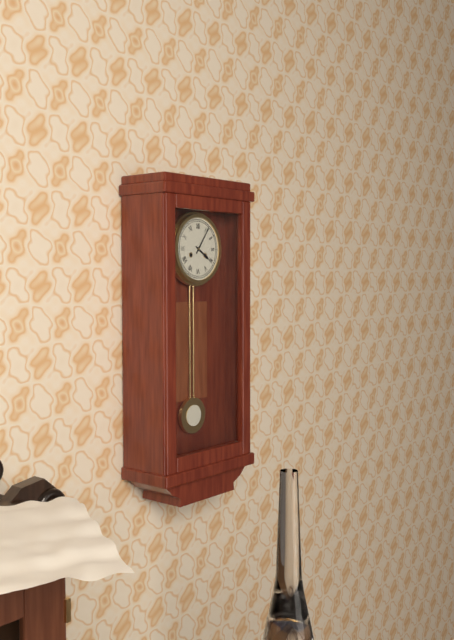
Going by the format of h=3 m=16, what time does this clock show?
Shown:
h=4 m=6
